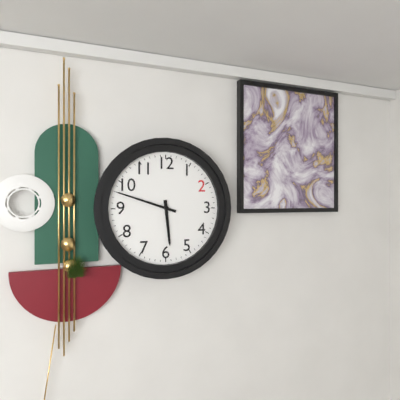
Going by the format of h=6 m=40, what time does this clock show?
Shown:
h=5 m=48
